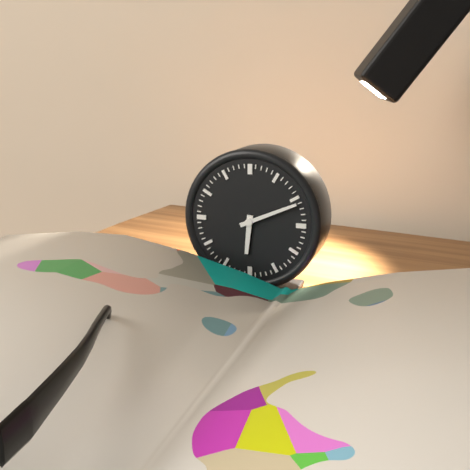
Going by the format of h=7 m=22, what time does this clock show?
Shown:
h=6 m=11
